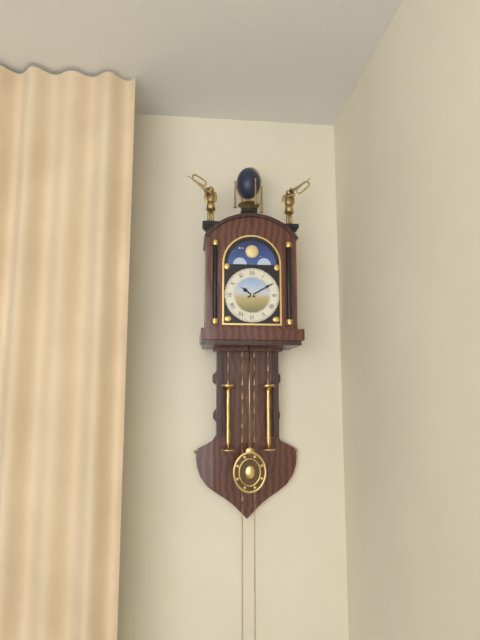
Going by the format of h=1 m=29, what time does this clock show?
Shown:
h=10 m=10
